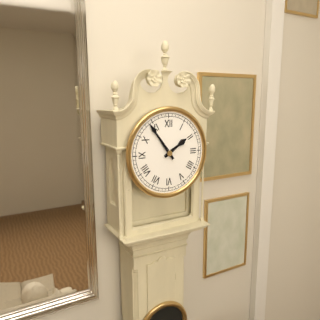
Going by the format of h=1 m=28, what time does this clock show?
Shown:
h=1 m=54
